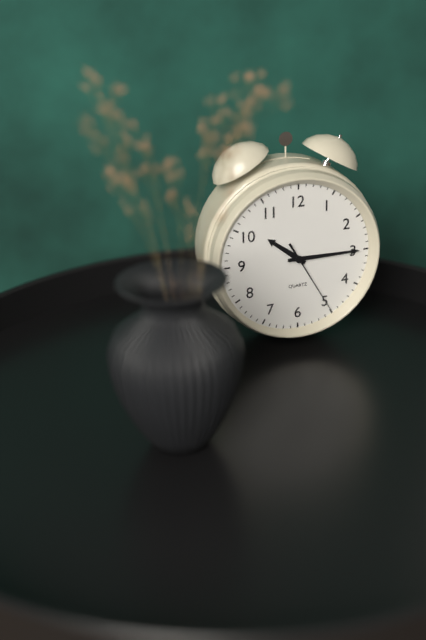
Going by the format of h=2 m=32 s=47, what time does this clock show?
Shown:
h=10 m=15 s=25
